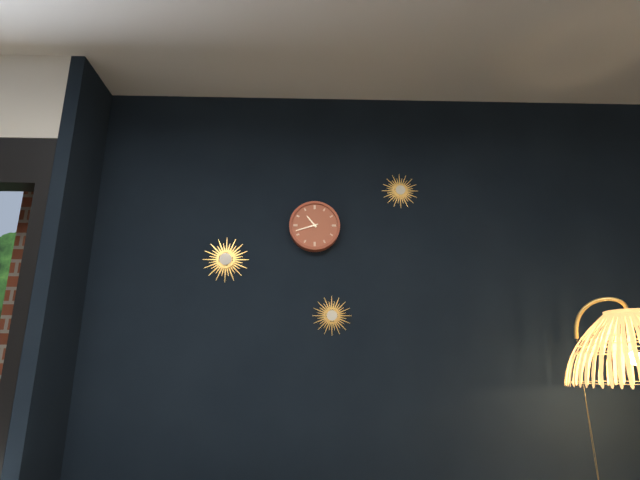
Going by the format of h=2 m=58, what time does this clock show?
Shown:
h=10 m=42
